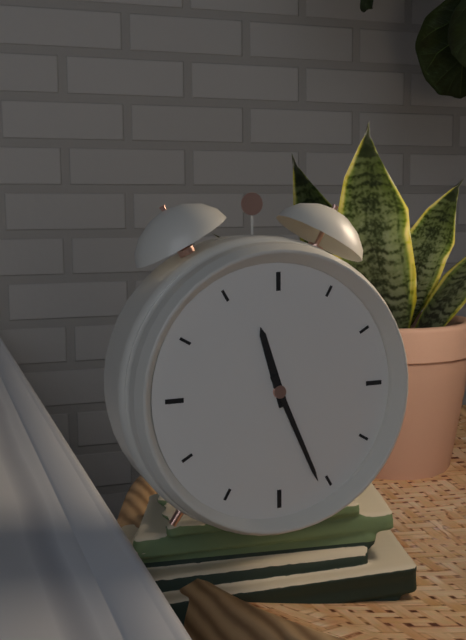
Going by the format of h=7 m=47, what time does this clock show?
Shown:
h=11 m=26
